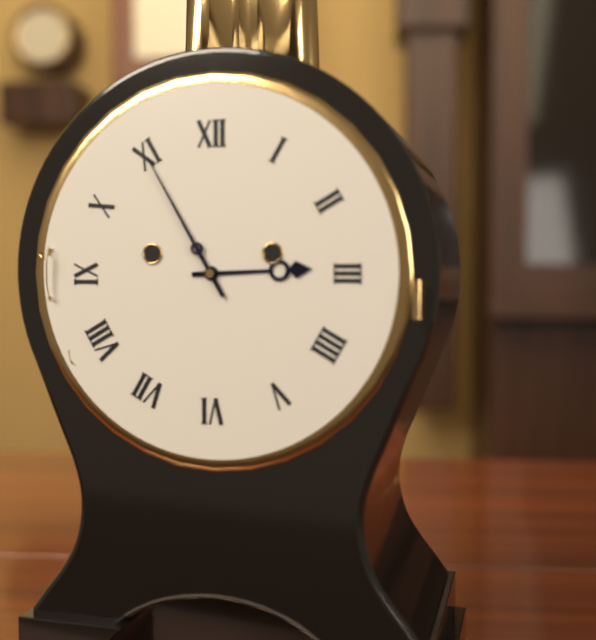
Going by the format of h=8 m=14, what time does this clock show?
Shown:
h=2 m=55
